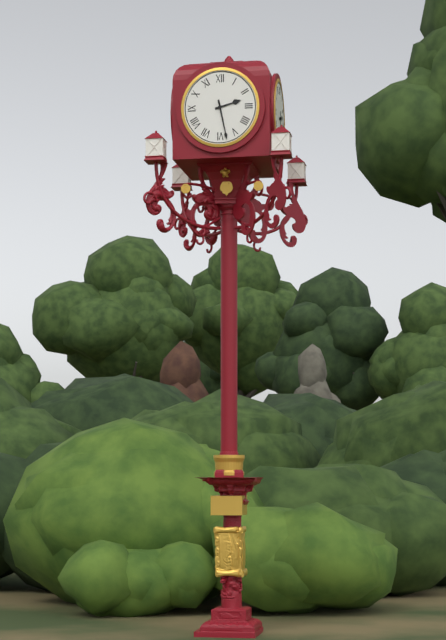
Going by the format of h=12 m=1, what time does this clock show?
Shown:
h=2 m=28
